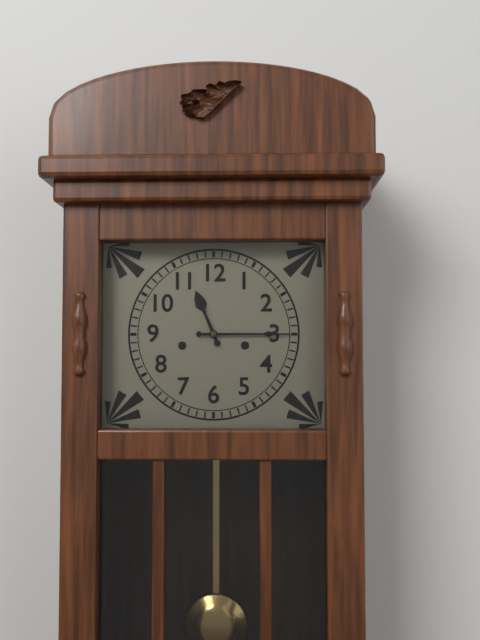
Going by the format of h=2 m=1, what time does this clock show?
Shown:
h=11 m=15
